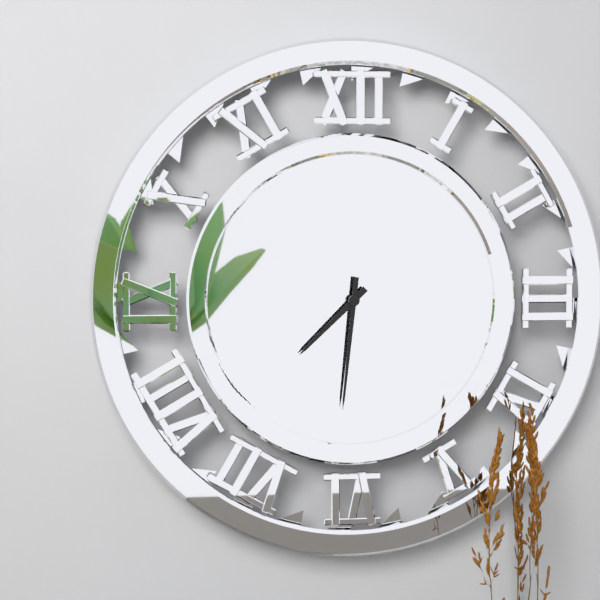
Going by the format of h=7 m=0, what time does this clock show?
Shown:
h=7 m=31
